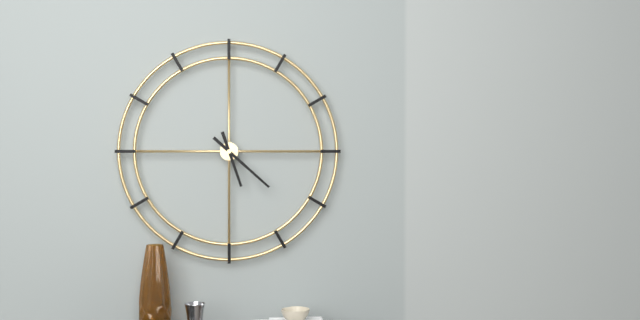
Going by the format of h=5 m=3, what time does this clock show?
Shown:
h=5 m=22
